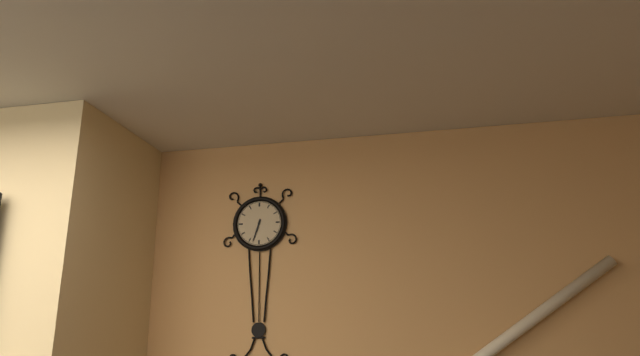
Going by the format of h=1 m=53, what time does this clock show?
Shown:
h=6 m=33
